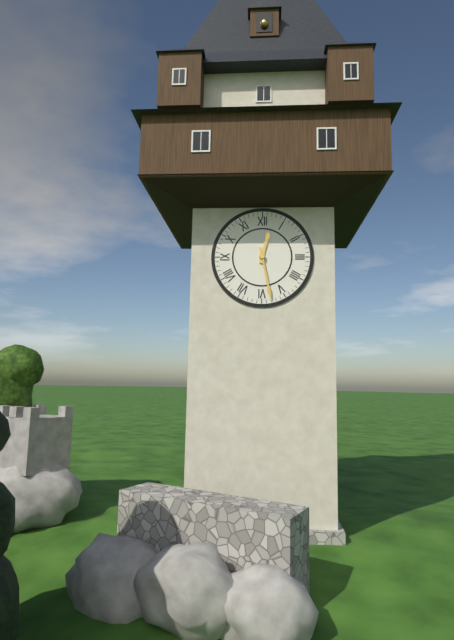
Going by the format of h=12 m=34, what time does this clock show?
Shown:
h=12 m=28
